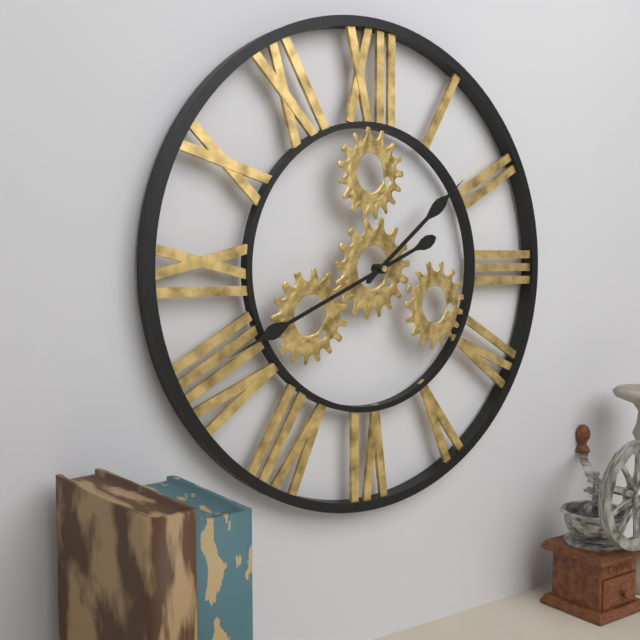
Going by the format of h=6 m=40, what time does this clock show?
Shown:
h=1 m=41
